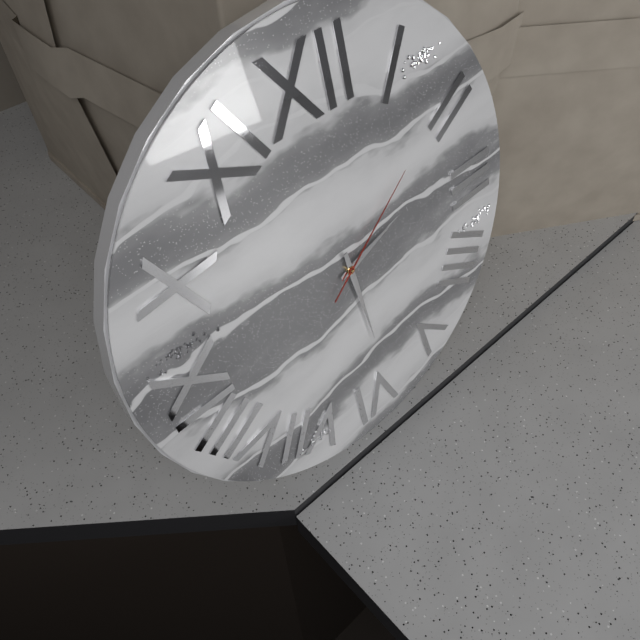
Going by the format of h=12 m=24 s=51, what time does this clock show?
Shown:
h=2 m=29 s=9
